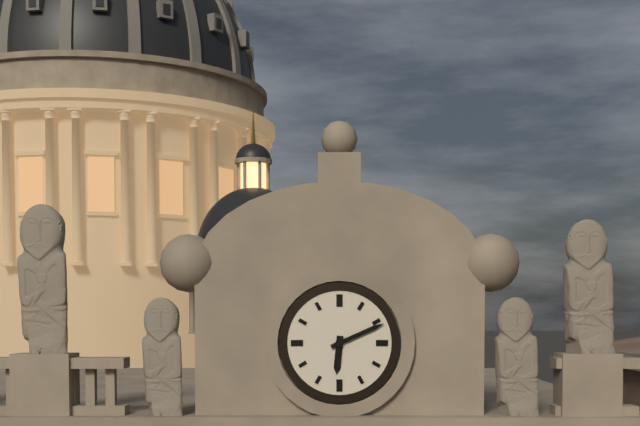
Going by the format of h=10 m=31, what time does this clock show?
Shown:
h=6 m=11
